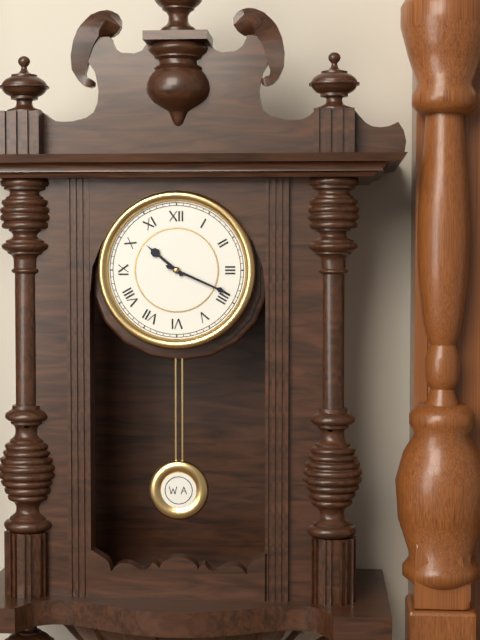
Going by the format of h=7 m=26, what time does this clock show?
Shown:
h=10 m=19
